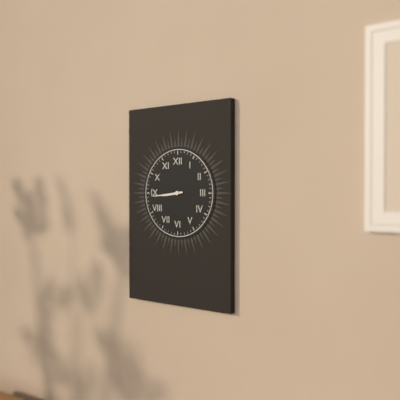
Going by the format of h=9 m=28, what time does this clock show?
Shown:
h=8 m=44
